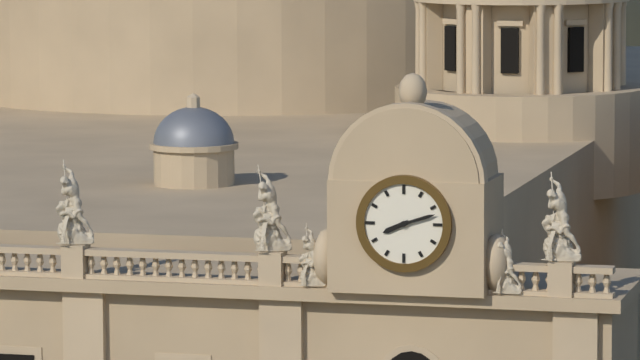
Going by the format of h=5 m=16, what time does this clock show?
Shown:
h=8 m=12
